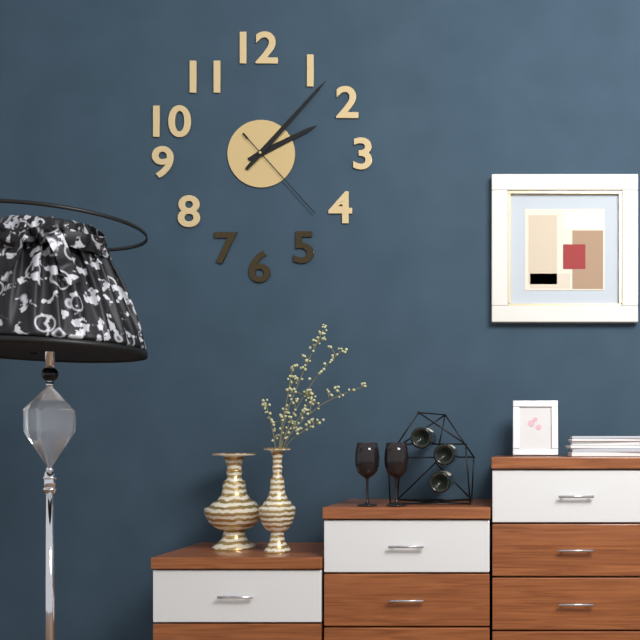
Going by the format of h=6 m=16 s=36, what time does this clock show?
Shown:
h=2 m=7 s=23
